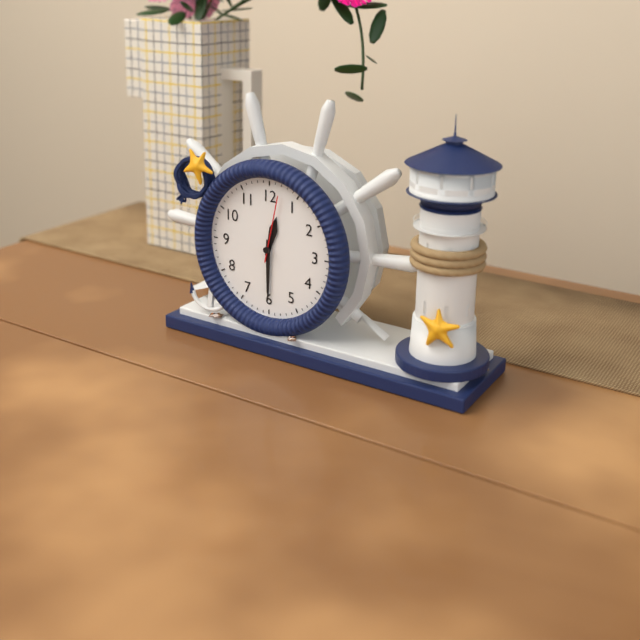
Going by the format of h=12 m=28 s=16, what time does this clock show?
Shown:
h=12 m=30 s=2
